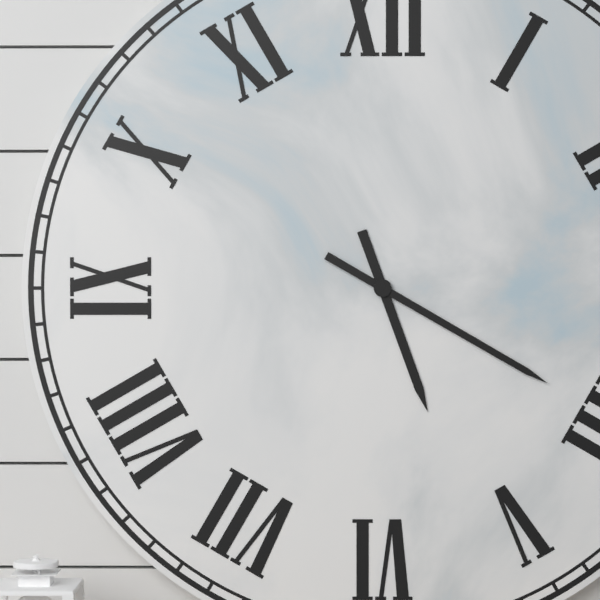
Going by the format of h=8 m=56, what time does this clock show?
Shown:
h=5 m=20
